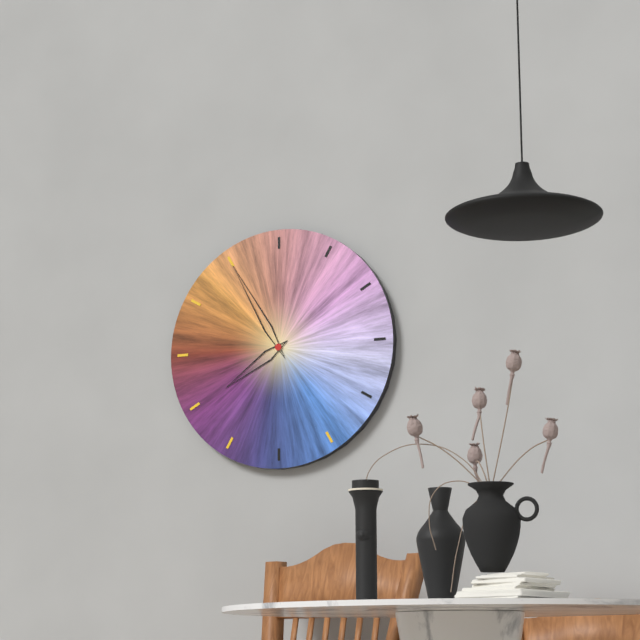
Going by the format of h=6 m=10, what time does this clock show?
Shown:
h=7 m=55
